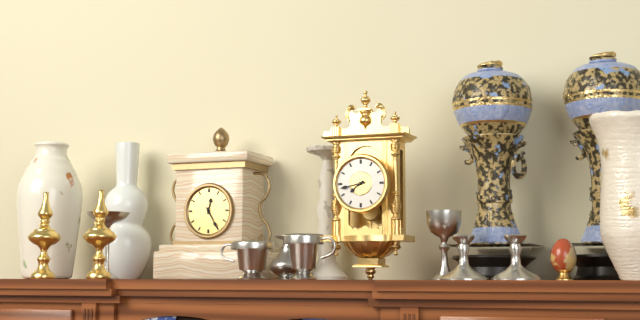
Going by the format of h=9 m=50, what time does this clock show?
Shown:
h=7 m=43
